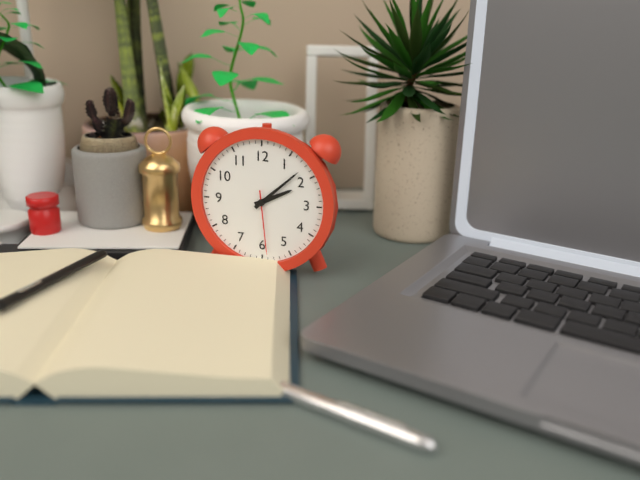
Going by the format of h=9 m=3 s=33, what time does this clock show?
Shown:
h=2 m=8 s=29
